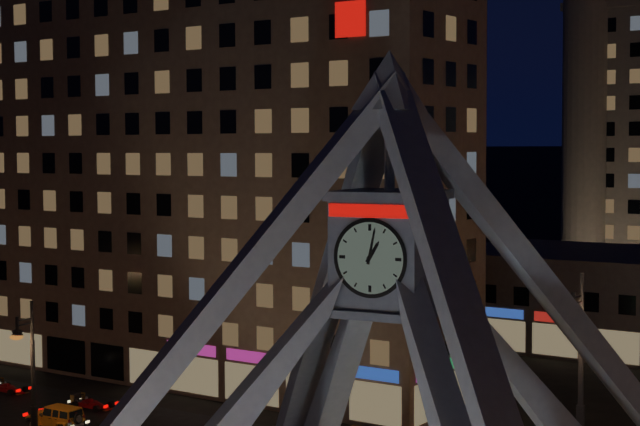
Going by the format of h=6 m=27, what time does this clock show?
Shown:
h=1 m=2
